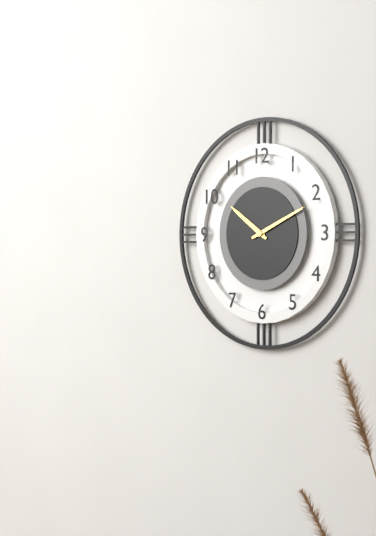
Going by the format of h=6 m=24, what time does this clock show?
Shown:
h=10 m=11
